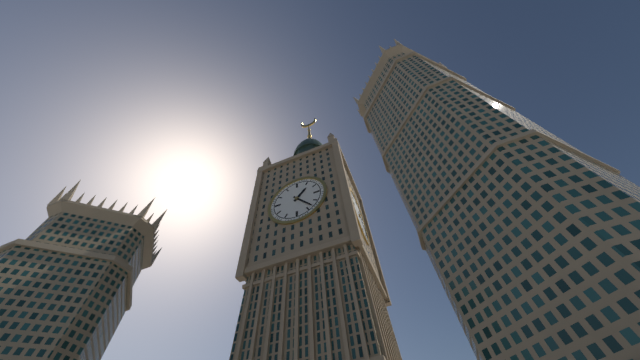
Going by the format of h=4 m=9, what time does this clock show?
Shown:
h=1 m=23
